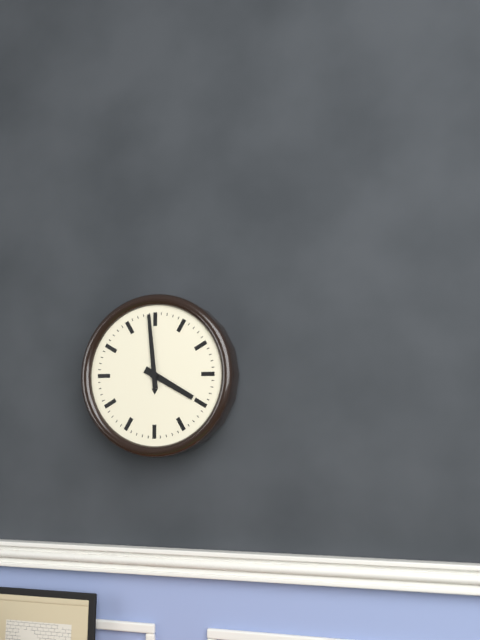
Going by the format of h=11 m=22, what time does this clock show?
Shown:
h=3 m=59
